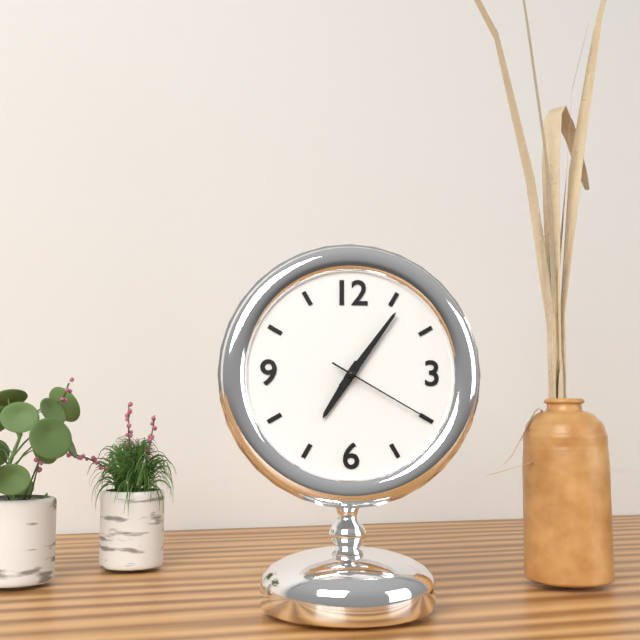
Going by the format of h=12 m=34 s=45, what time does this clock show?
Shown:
h=7 m=6 s=20
